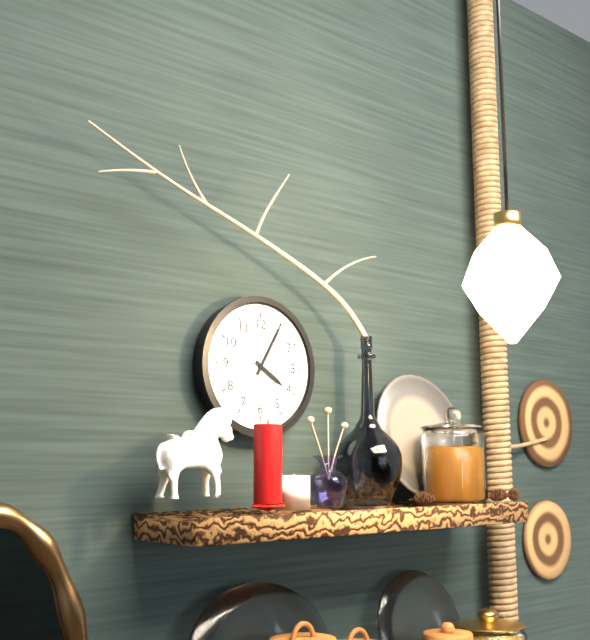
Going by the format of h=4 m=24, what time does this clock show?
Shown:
h=4 m=5
